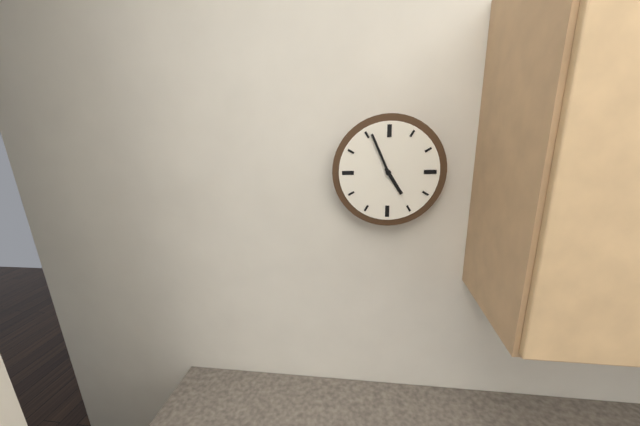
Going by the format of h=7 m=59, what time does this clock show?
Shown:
h=4 m=56
